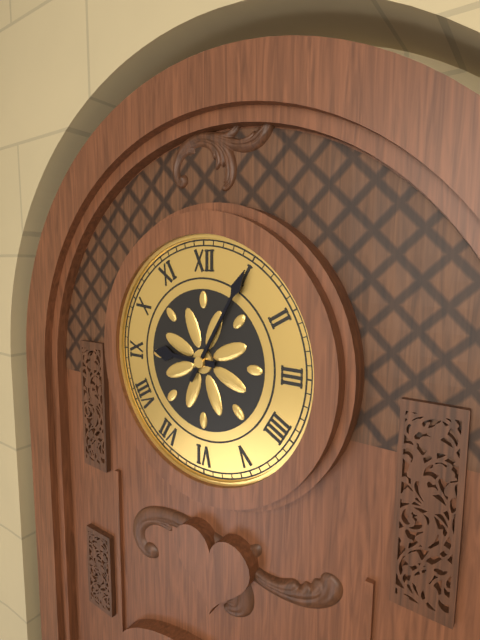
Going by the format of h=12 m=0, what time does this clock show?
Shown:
h=9 m=5
